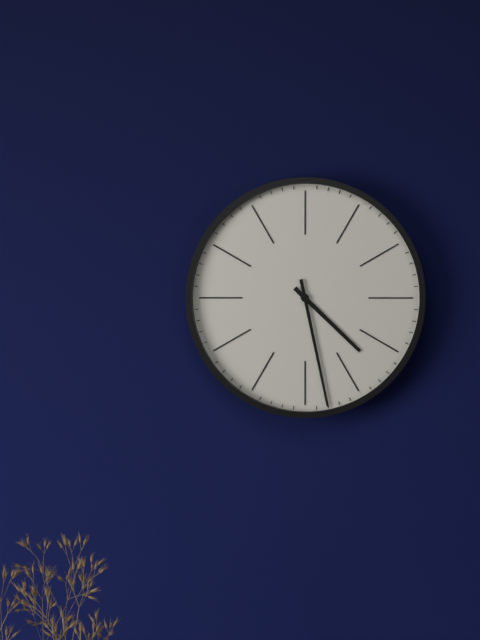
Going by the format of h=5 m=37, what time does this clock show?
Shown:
h=4 m=28
